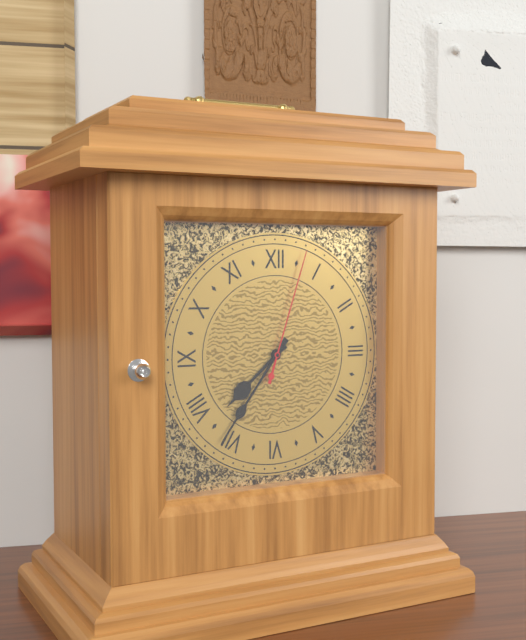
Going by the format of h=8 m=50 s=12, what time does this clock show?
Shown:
h=7 m=36 s=3
